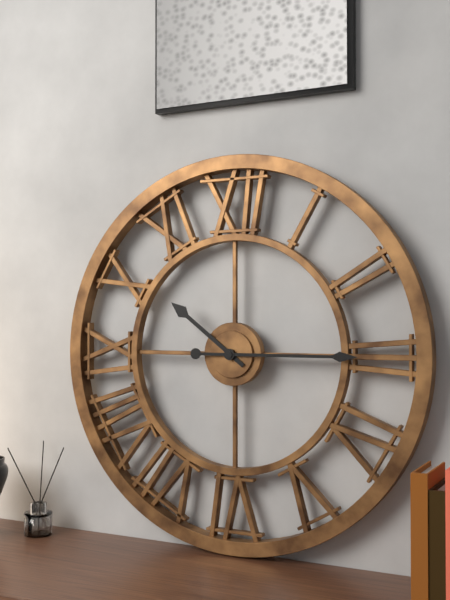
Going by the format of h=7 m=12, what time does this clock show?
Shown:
h=10 m=15
